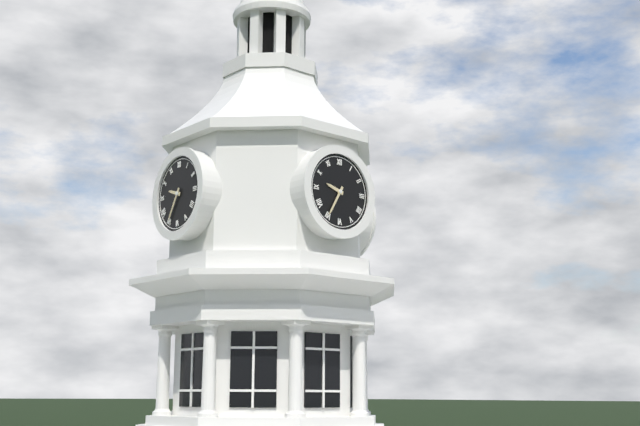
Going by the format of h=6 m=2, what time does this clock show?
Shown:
h=9 m=35
